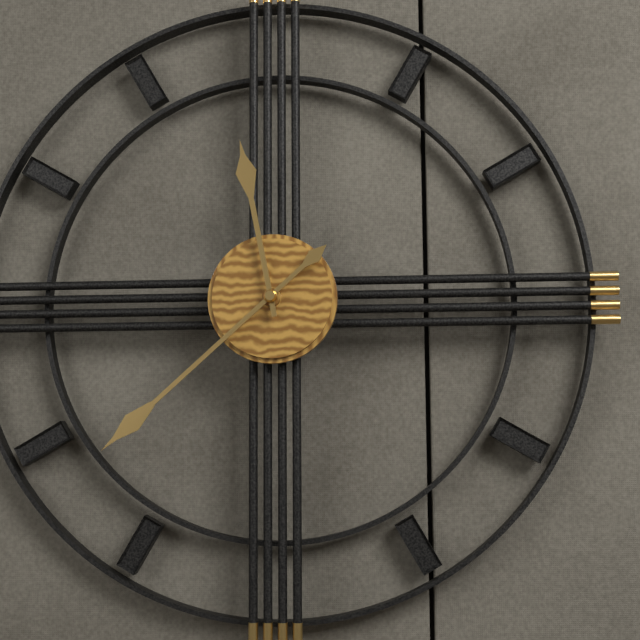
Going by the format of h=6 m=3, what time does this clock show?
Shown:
h=11 m=38
